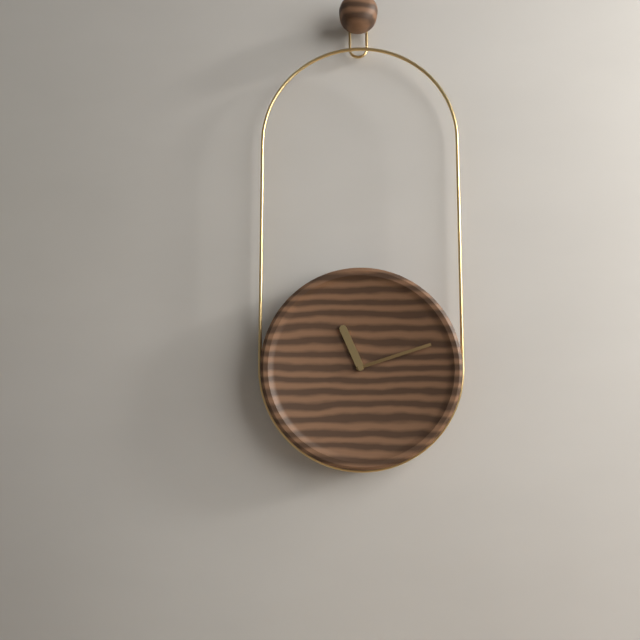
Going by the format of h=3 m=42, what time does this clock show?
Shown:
h=11 m=12
